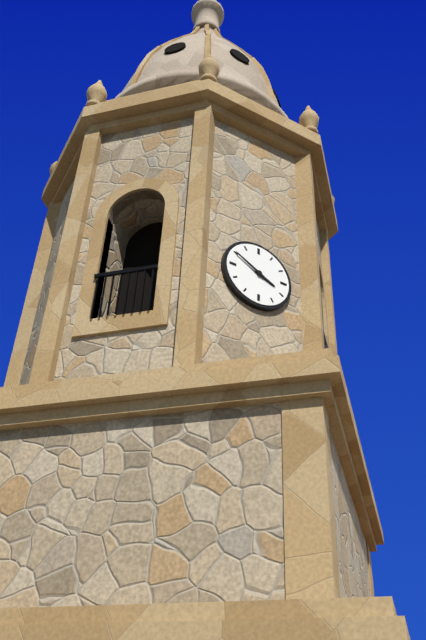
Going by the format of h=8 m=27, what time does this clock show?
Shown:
h=3 m=50
